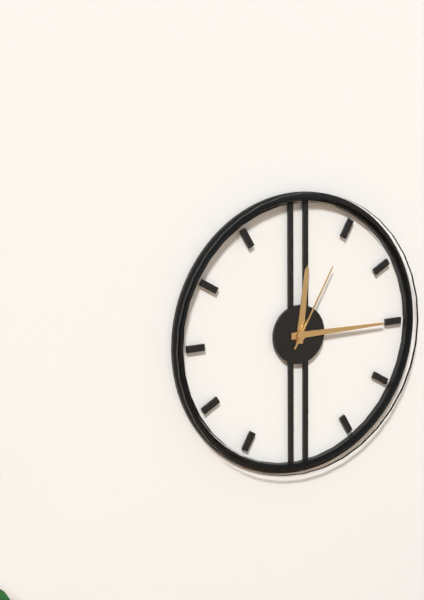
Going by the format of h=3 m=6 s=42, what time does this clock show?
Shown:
h=12 m=15 s=5
